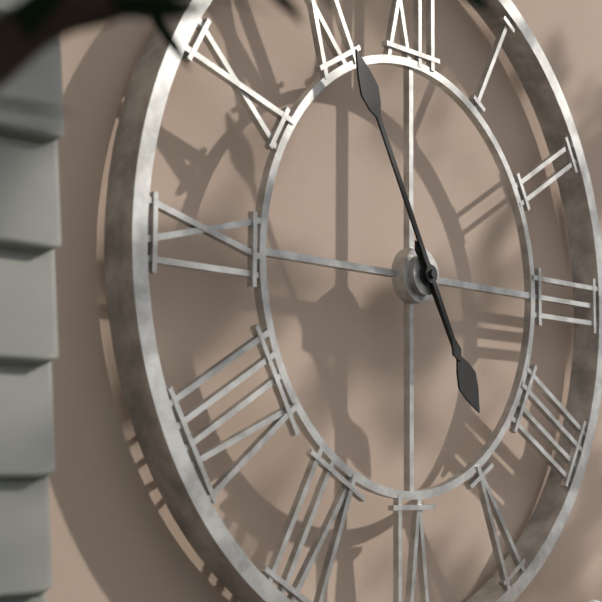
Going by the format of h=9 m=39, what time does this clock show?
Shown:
h=4 m=55
